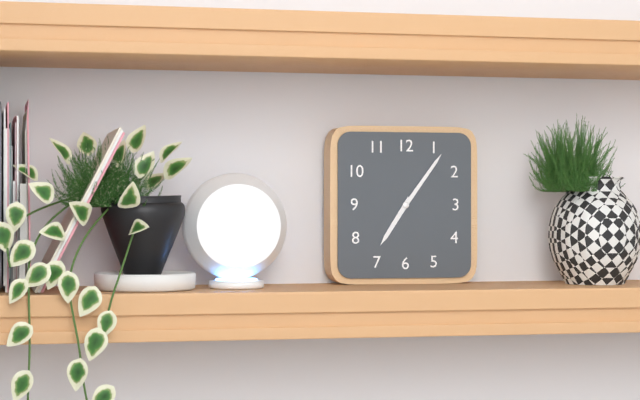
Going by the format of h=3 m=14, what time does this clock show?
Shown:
h=7 m=6
